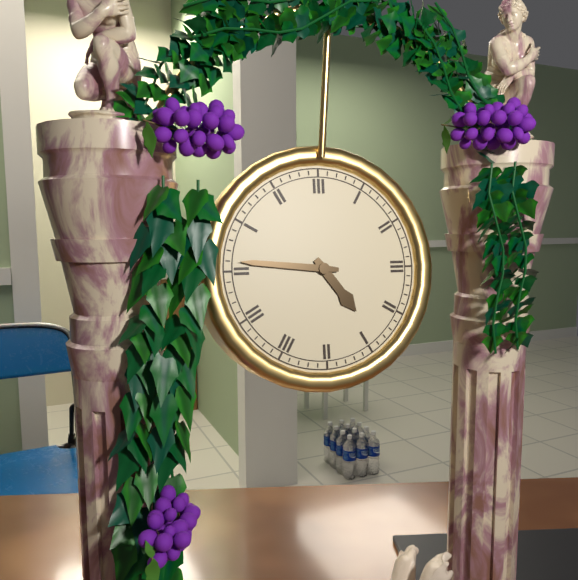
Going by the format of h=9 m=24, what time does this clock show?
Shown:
h=4 m=46
